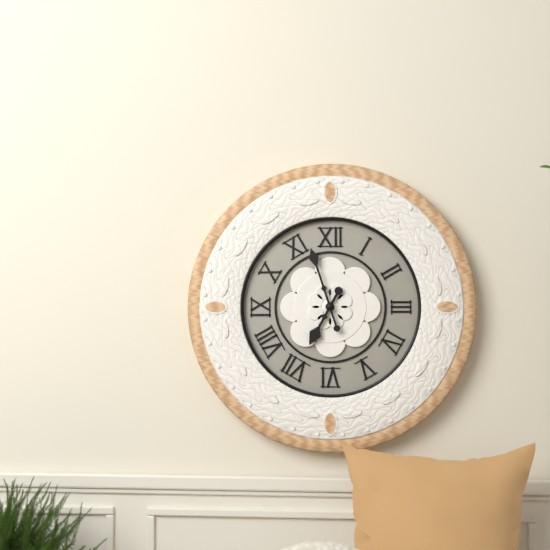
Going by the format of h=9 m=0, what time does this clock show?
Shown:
h=6 m=57
